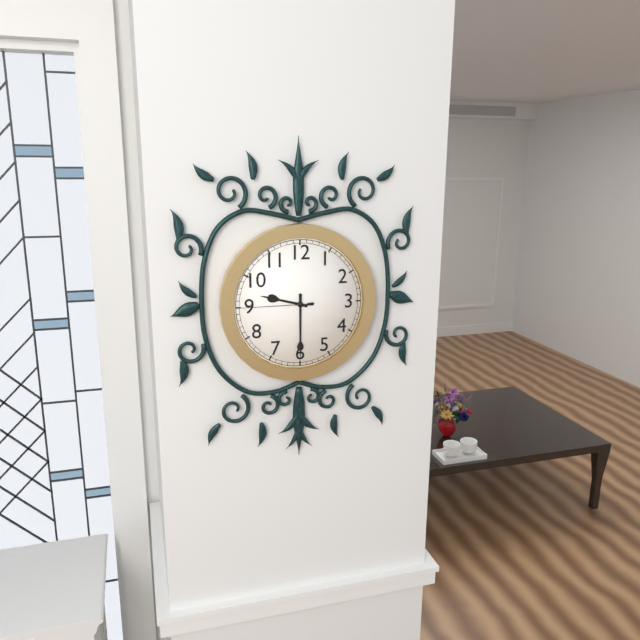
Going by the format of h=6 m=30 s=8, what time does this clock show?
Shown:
h=9 m=30 s=45
